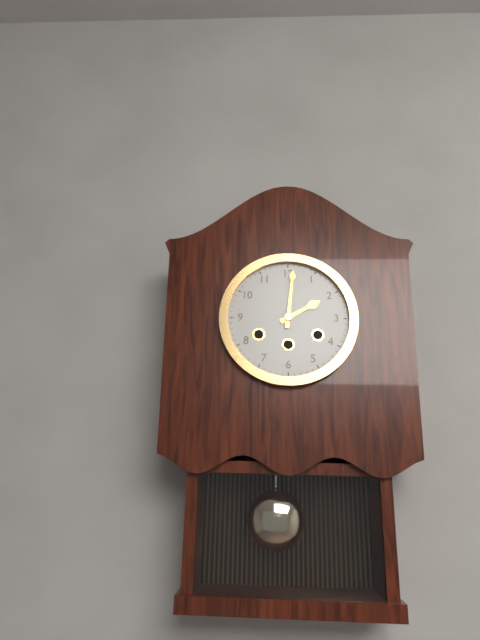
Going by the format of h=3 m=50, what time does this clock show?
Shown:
h=2 m=1
